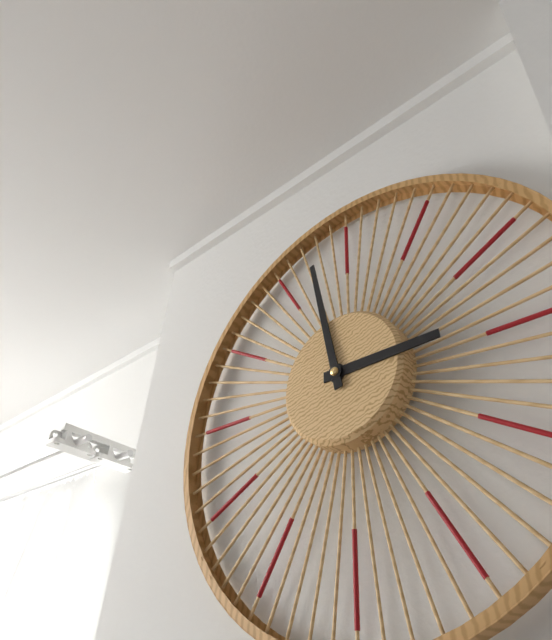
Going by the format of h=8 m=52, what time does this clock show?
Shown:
h=2 m=58
